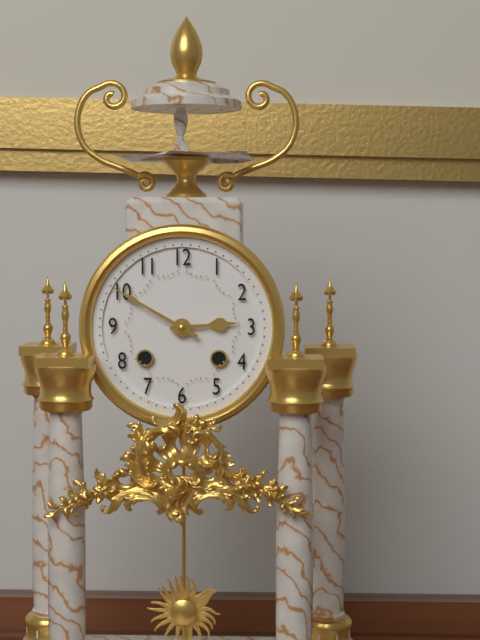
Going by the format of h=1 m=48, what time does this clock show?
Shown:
h=2 m=50
